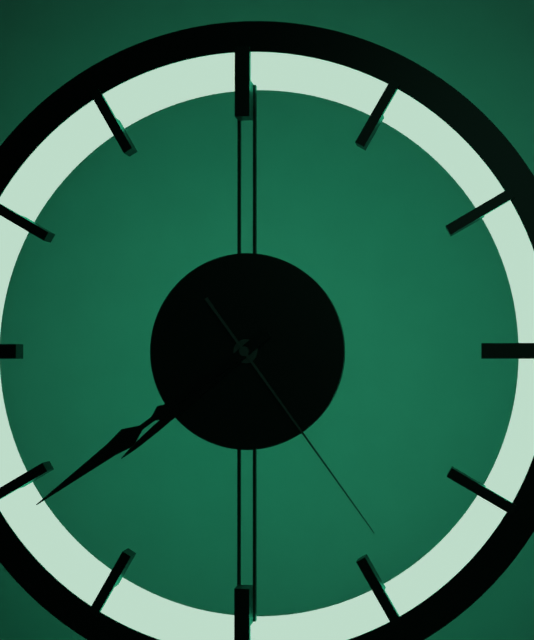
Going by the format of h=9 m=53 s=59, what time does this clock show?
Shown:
h=7 m=39 s=24
